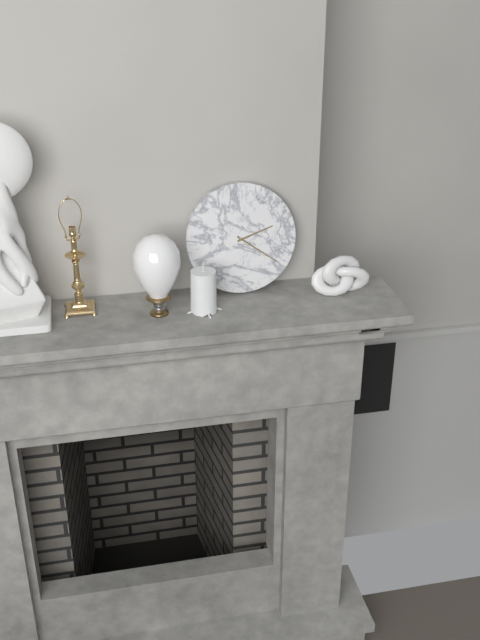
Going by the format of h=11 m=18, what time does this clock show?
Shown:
h=2 m=21
